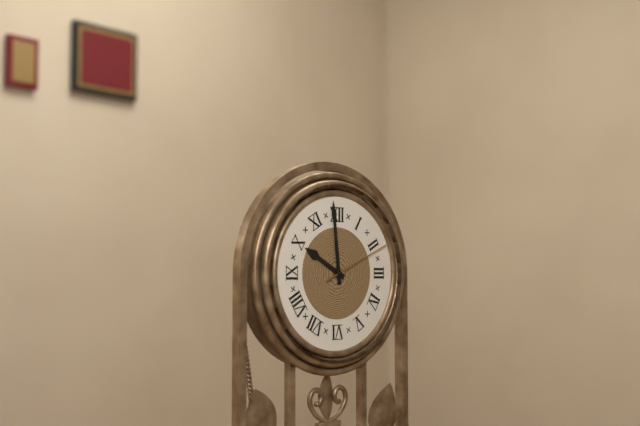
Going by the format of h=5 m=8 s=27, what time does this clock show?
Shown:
h=9 m=59 s=11
